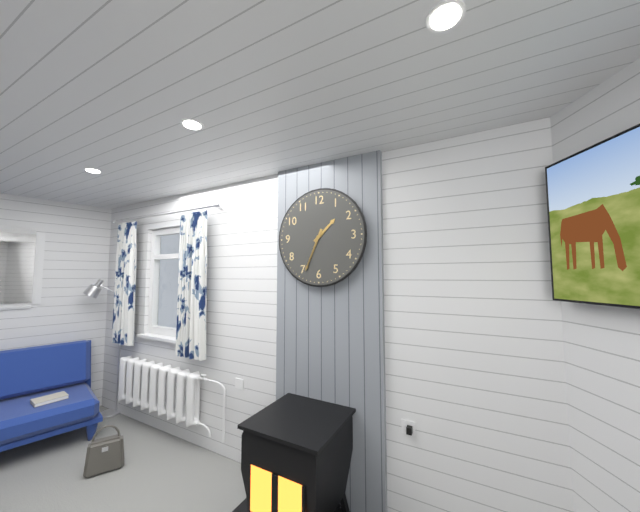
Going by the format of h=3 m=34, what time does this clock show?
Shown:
h=1 m=34
